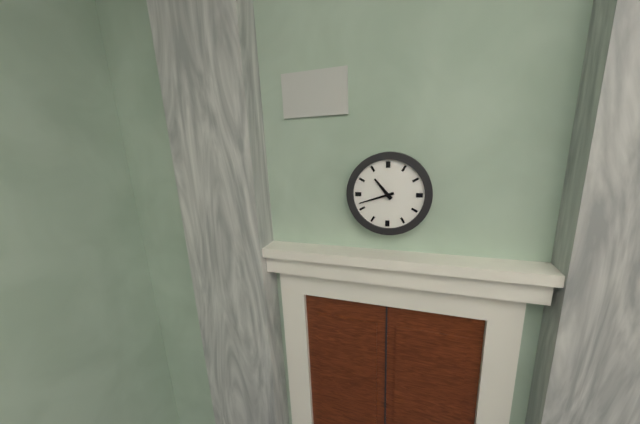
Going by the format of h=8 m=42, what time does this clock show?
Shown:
h=10 m=42
